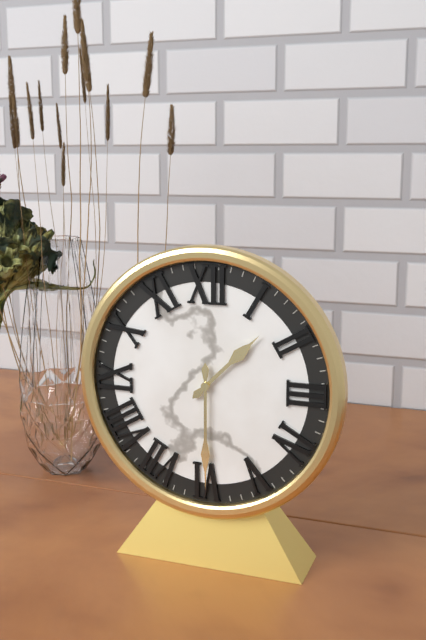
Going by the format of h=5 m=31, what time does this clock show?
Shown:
h=1 m=30
